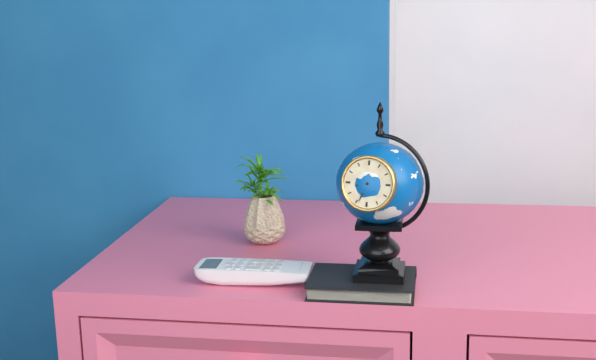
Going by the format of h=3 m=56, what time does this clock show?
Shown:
h=8 m=34
